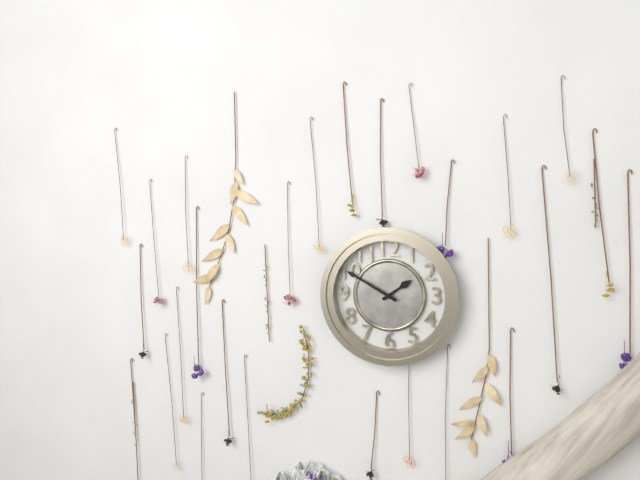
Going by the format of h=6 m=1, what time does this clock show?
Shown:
h=1 m=50
